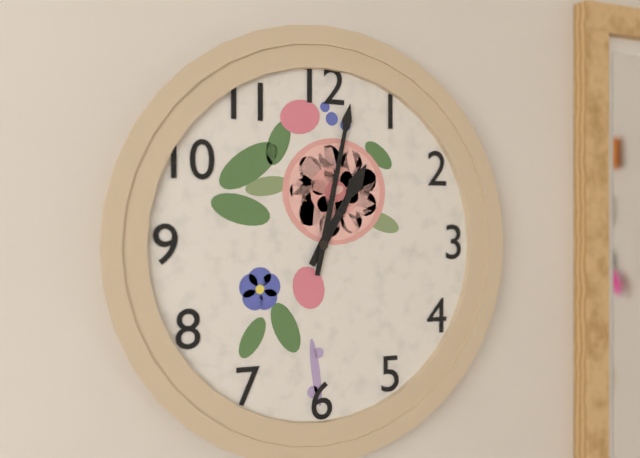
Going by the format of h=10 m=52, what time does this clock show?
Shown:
h=1 m=2
